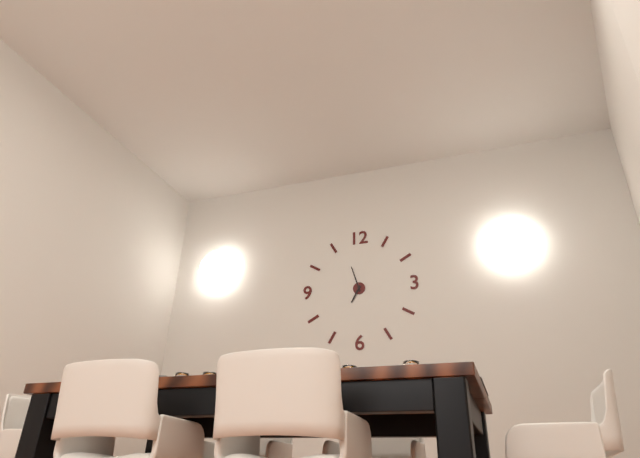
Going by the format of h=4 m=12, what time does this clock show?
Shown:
h=6 m=57
